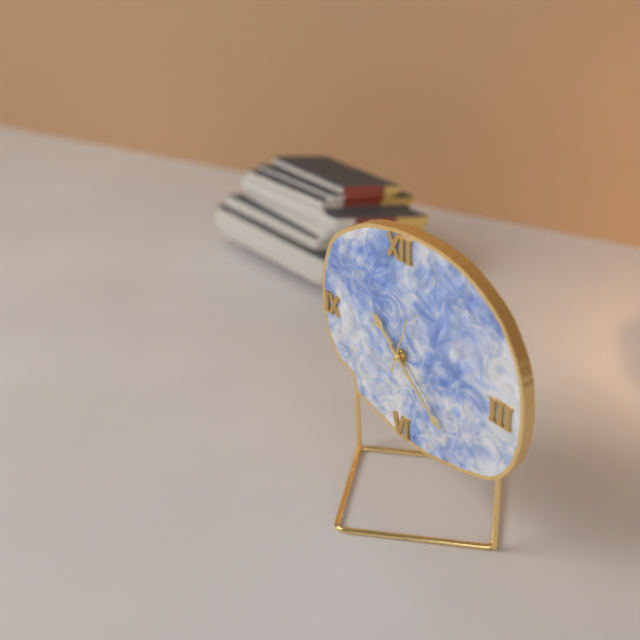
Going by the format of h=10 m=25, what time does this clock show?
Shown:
h=10 m=22
